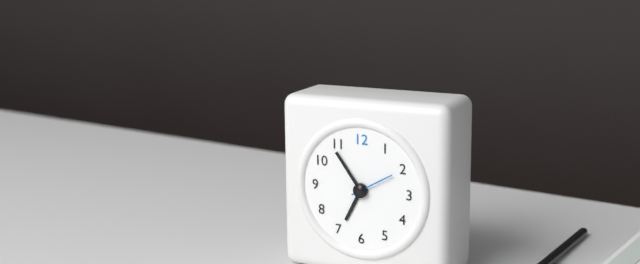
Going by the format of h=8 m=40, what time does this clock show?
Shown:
h=6 m=54
